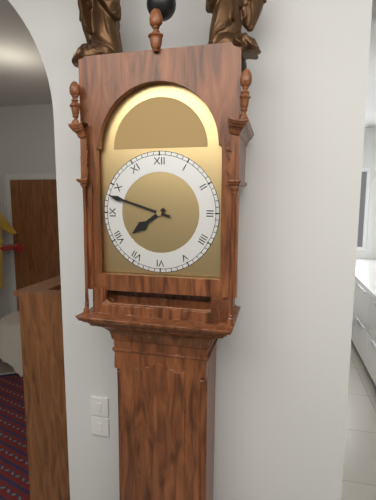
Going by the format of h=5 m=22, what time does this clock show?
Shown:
h=7 m=48
